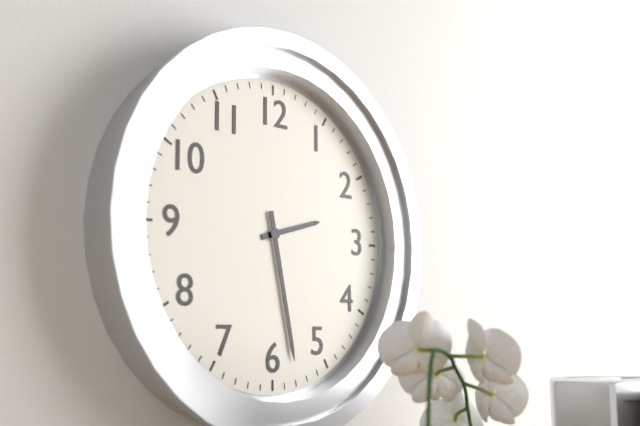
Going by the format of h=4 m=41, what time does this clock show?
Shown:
h=2 m=28
